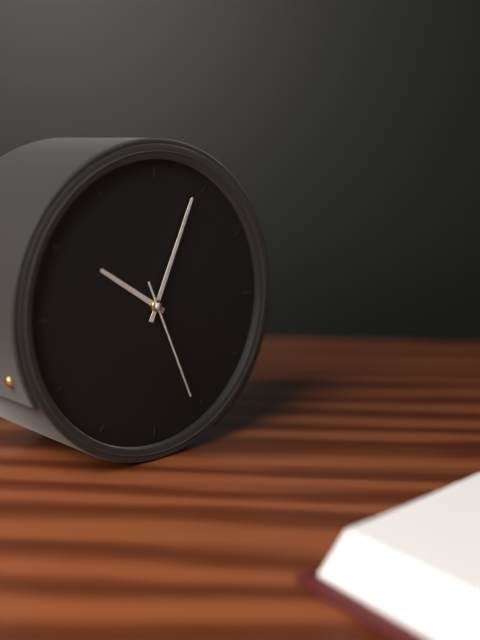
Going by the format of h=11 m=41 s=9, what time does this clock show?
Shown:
h=10 m=4 s=26
